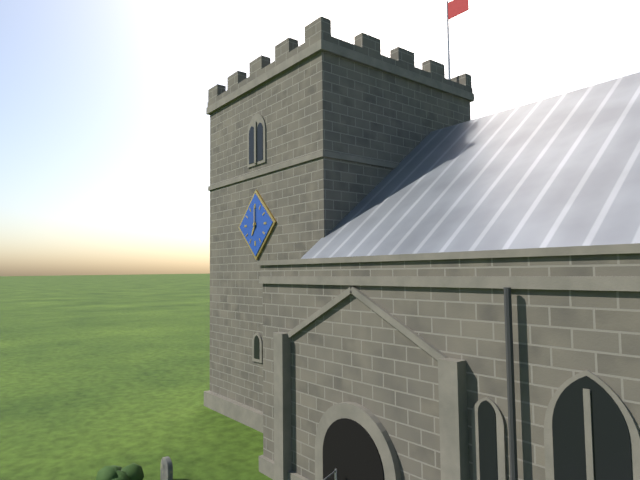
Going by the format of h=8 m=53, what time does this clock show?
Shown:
h=7 m=0
